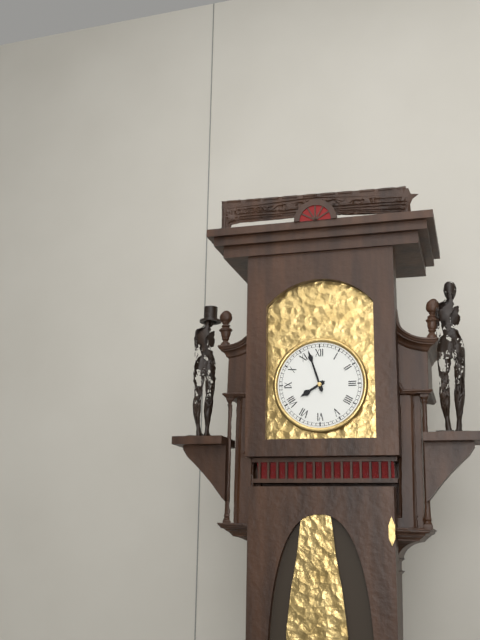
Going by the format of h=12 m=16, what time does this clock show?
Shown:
h=7 m=57
